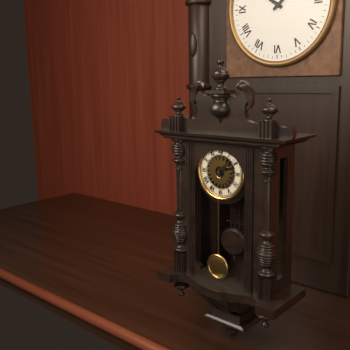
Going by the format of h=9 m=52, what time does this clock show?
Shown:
h=2 m=7
